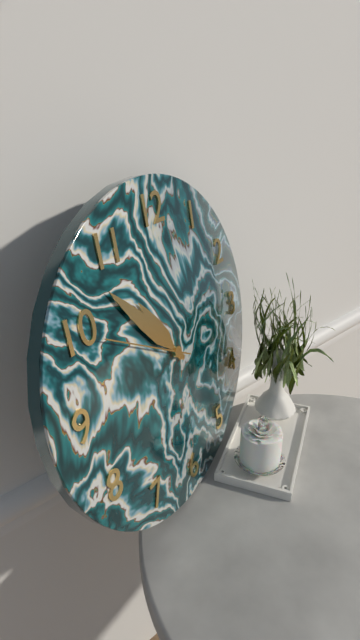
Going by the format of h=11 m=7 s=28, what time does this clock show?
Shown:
h=10 m=53 s=50
